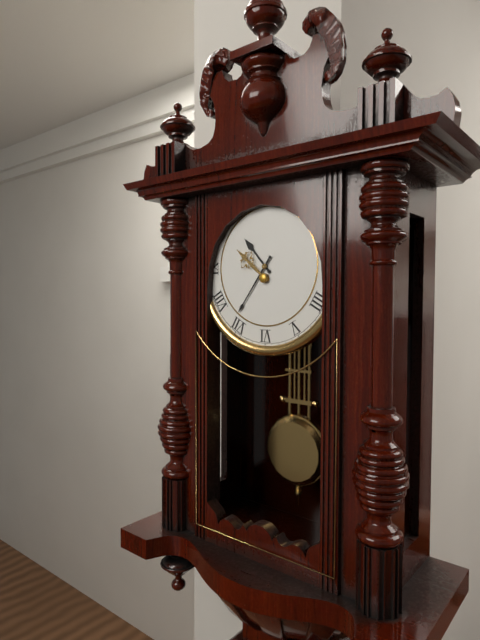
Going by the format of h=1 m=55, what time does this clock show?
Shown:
h=10 m=36
